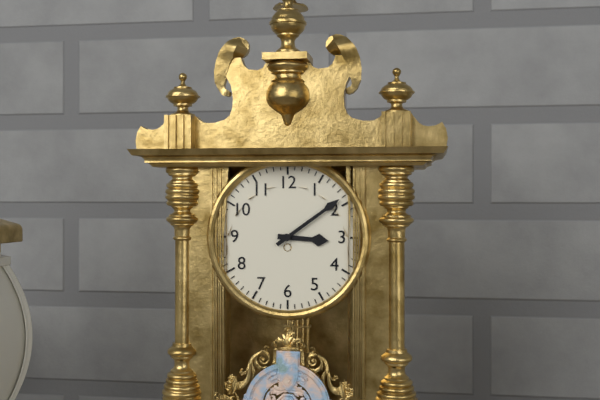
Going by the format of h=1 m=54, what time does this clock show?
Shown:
h=3 m=9
